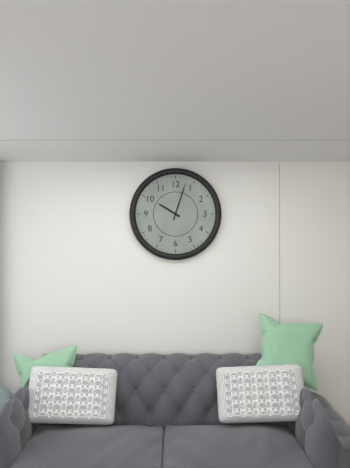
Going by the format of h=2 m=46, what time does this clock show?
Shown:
h=10 m=3
